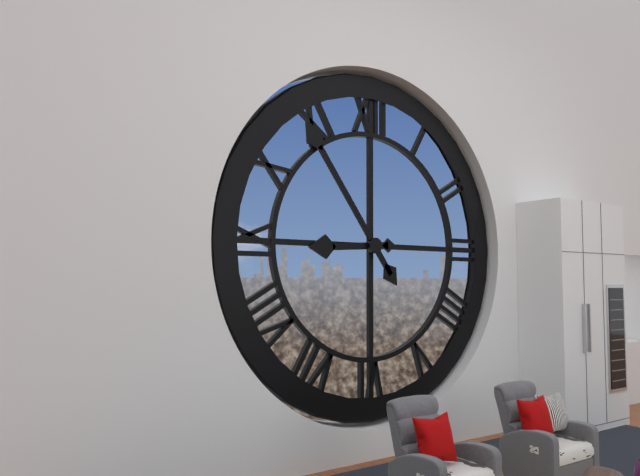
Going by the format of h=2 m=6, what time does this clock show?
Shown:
h=8 m=54
